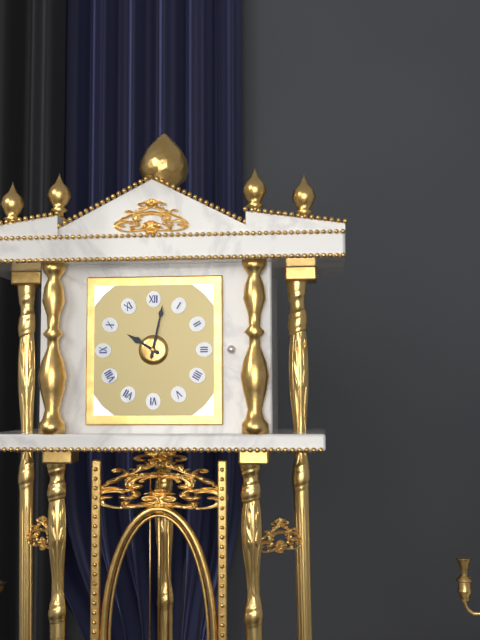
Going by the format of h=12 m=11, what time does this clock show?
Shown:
h=10 m=2
